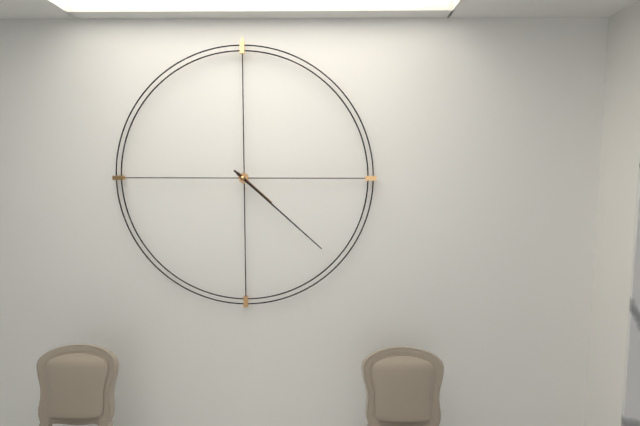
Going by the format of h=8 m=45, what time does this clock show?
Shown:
h=4 m=22
